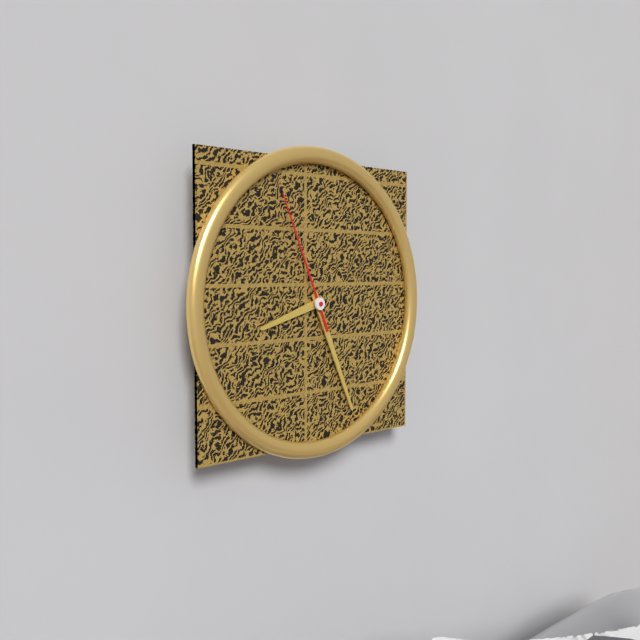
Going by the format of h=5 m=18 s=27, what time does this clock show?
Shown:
h=8 m=26 s=56
